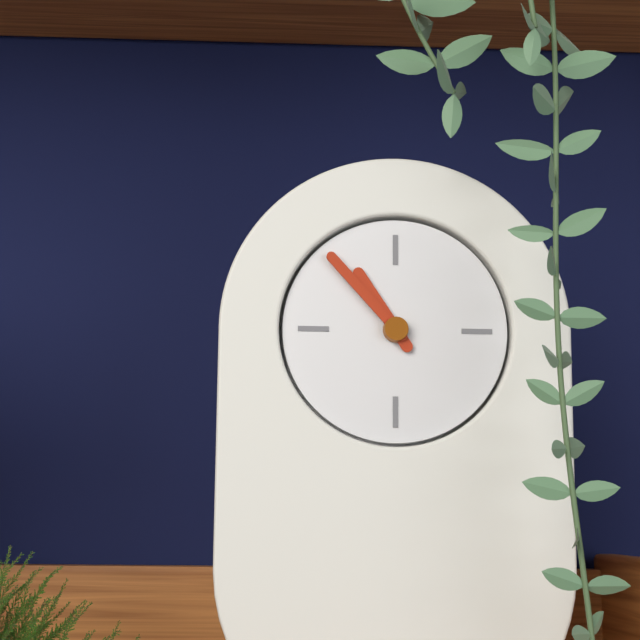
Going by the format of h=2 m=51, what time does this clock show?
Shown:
h=10 m=53
